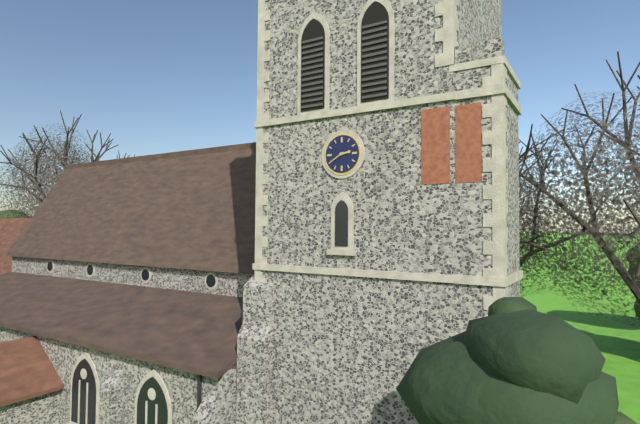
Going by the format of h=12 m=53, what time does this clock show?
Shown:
h=2 m=40
